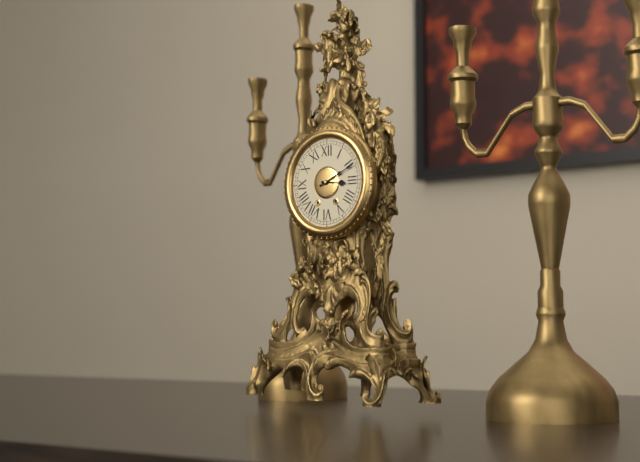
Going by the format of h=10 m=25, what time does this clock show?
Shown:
h=3 m=11
